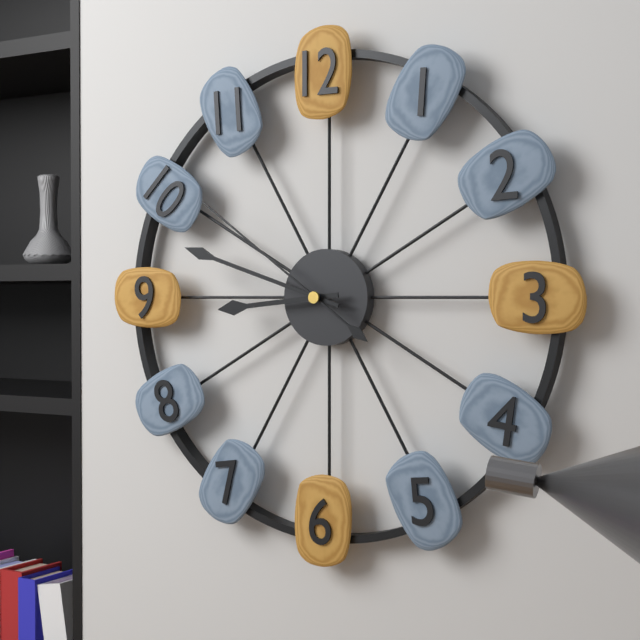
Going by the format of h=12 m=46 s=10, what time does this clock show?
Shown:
h=8 m=48 s=51
